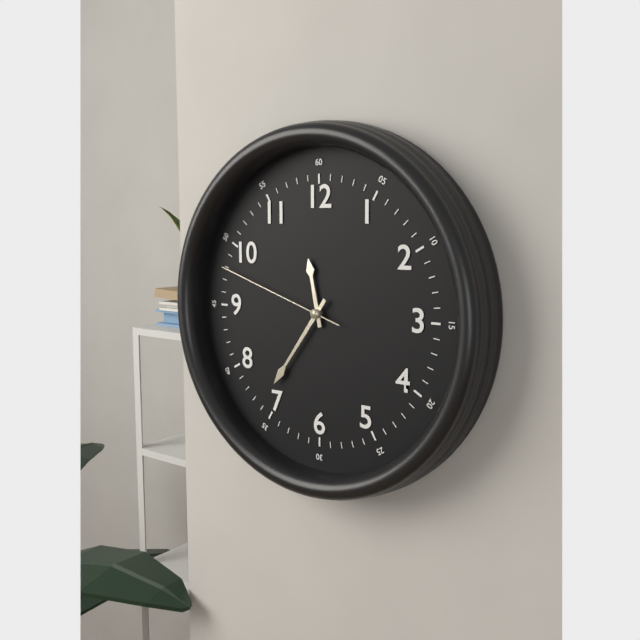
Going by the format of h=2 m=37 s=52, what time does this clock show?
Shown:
h=11 m=36 s=48
